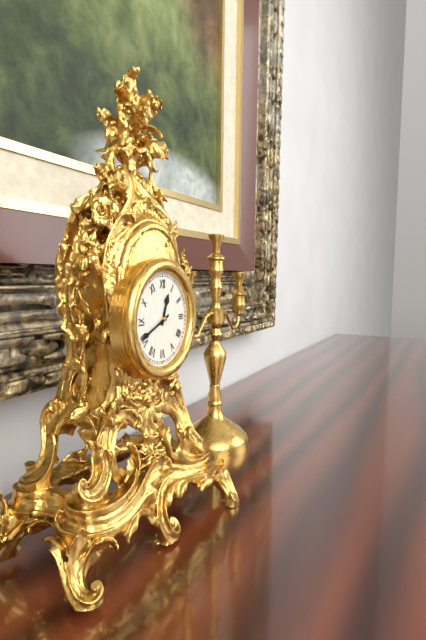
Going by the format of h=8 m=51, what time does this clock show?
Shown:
h=12 m=41
